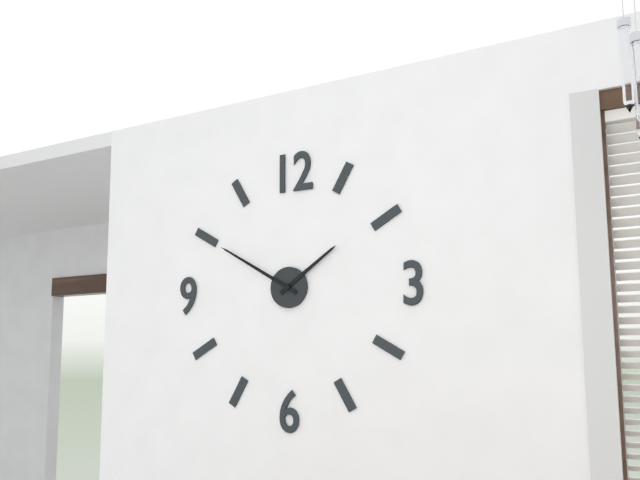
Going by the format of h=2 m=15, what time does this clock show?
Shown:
h=1 m=50
